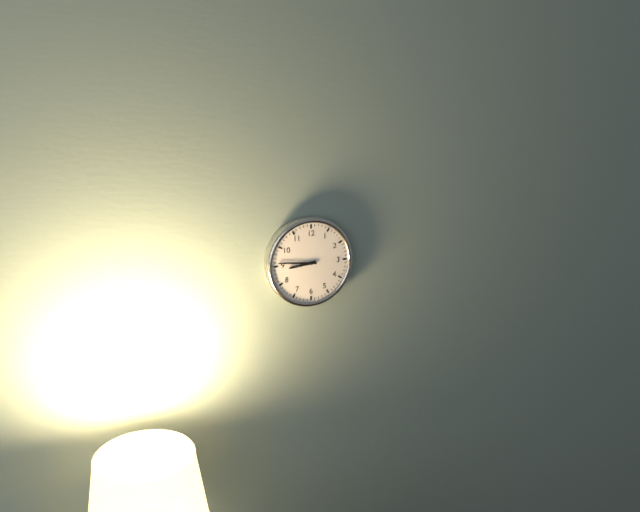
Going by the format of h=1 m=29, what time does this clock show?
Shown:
h=8 m=46
